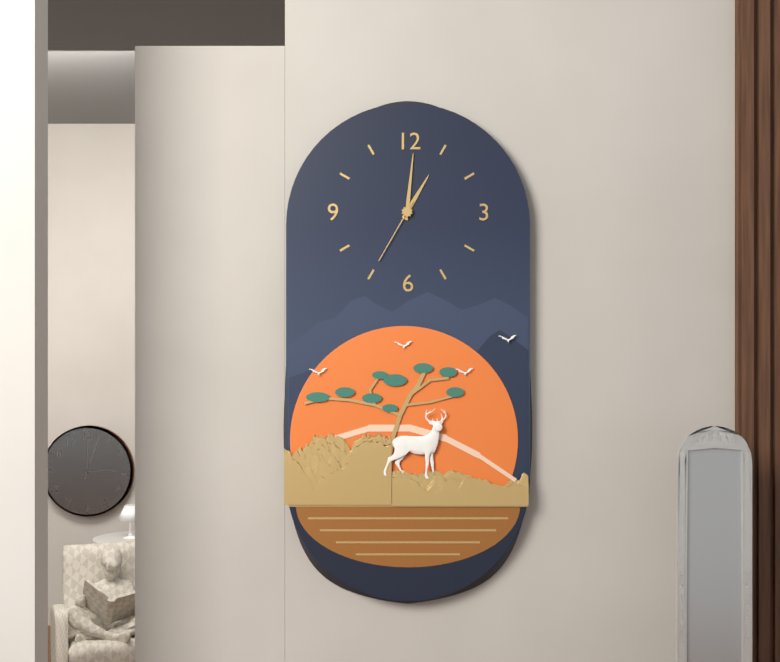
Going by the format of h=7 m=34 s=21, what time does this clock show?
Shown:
h=1 m=1 s=35
